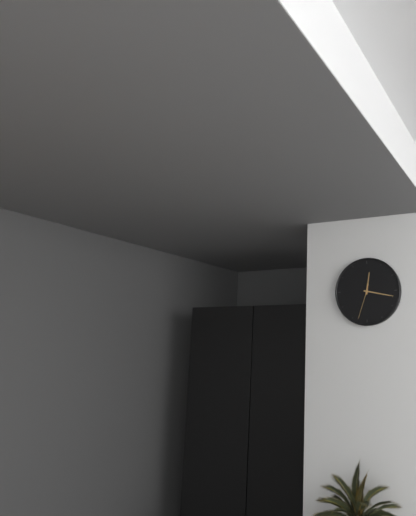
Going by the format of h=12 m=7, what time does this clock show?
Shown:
h=12 m=17
